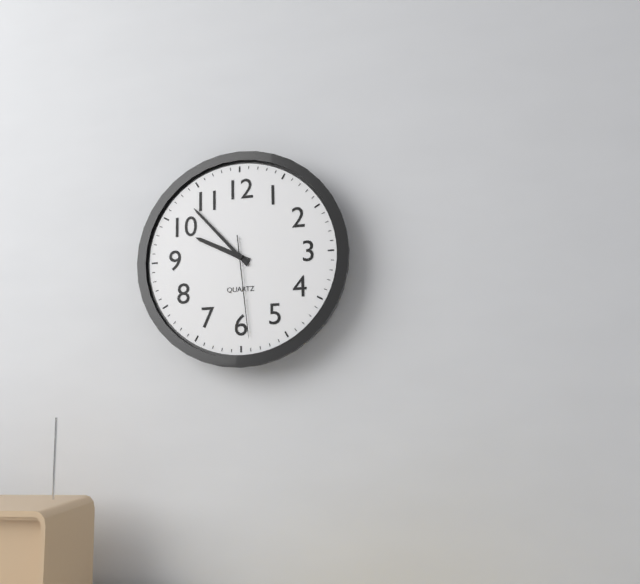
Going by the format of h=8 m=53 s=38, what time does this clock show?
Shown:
h=9 m=53 s=29
